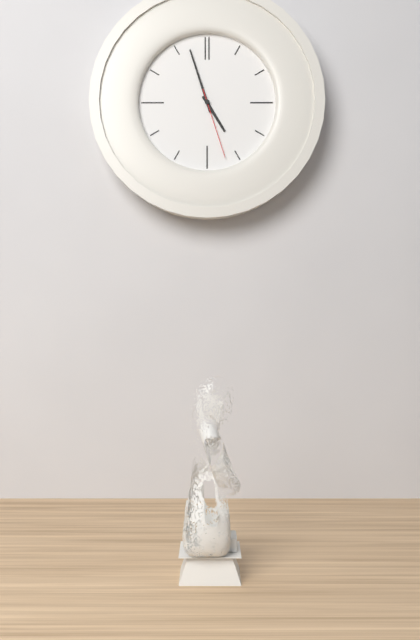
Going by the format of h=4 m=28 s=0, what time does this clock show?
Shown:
h=4 m=57 s=27
